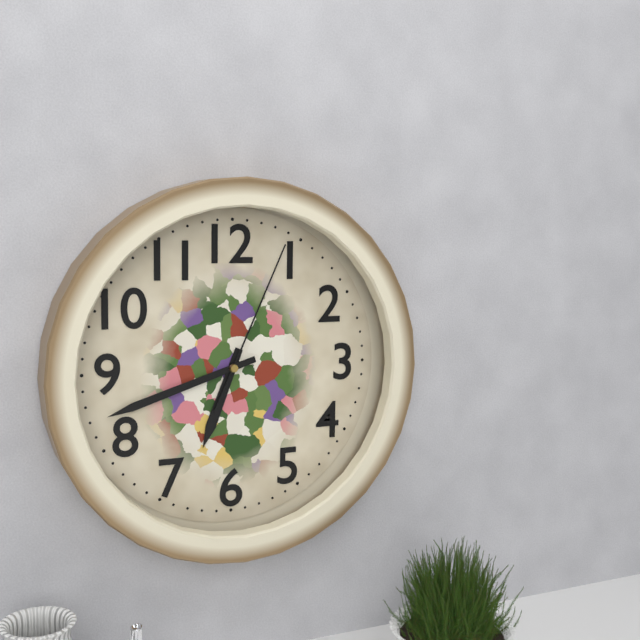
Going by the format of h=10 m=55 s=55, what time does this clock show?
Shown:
h=6 m=42 s=4
